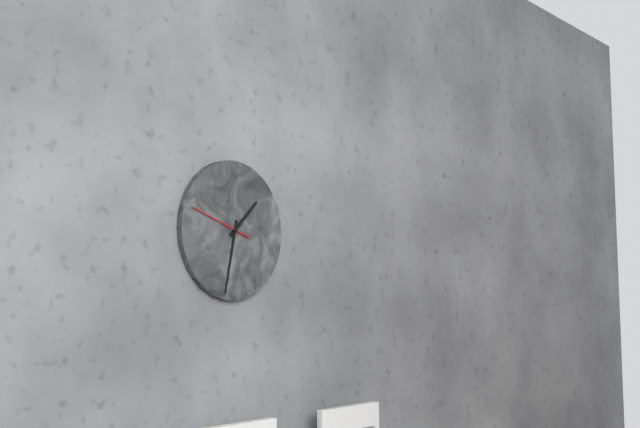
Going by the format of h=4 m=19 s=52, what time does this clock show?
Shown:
h=1 m=32 s=48
